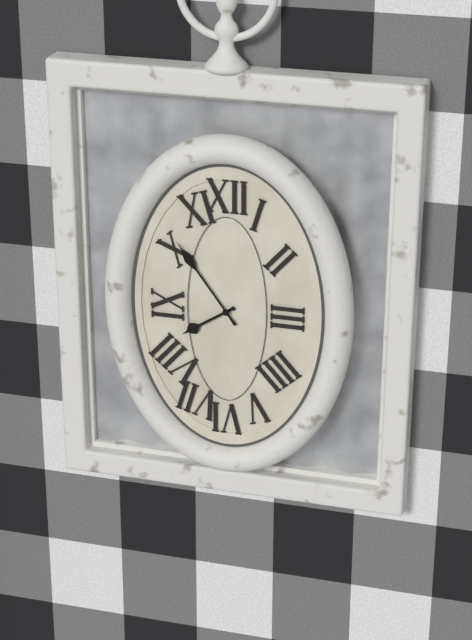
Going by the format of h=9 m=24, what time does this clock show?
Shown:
h=7 m=54
